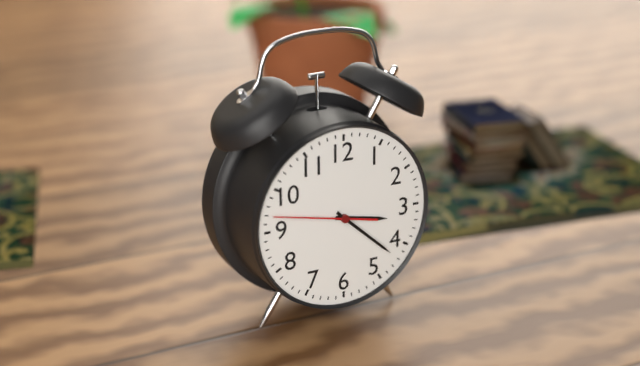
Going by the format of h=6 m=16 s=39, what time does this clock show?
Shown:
h=3 m=22 s=47
